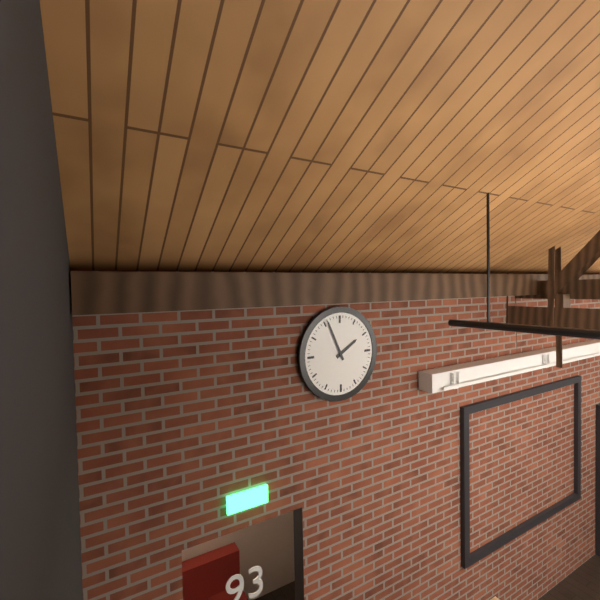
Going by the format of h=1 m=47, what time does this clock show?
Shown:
h=1 m=56
